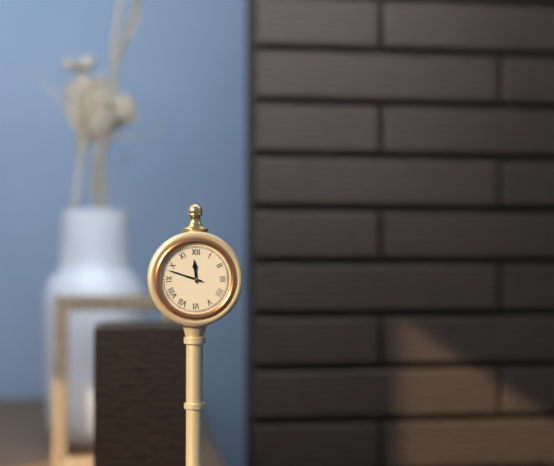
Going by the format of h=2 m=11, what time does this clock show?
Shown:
h=11 m=48
